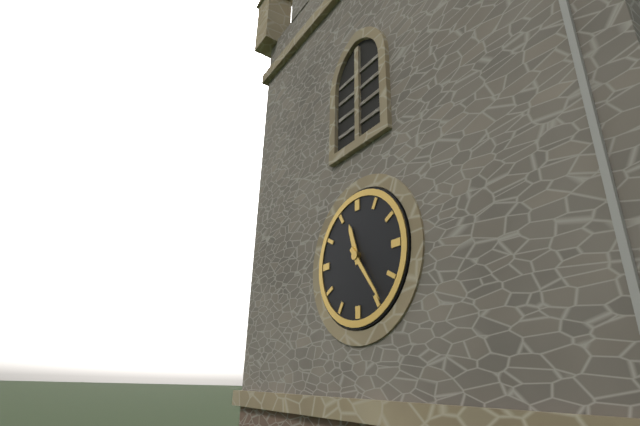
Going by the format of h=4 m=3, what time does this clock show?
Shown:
h=11 m=24
